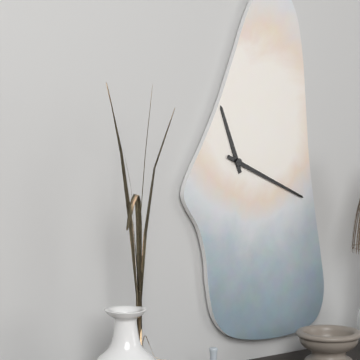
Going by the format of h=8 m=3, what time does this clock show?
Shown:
h=11 m=19
